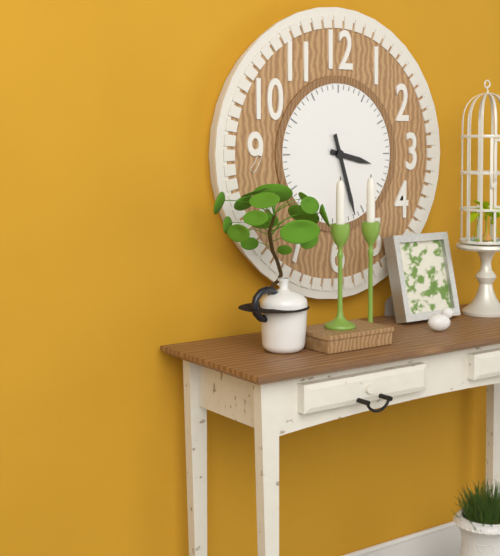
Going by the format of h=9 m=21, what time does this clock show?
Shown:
h=3 m=27
